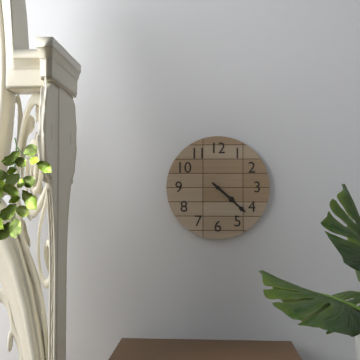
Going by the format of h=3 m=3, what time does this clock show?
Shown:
h=4 m=22
